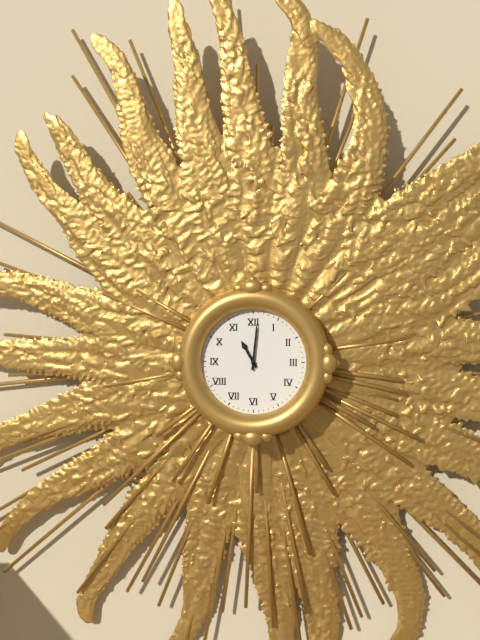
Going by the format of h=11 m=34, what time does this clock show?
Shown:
h=11 m=1
